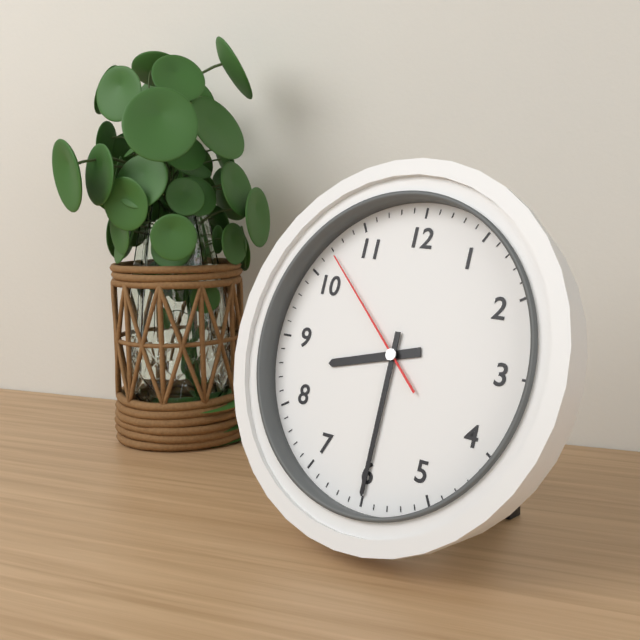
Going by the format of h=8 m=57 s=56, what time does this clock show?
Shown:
h=8 m=30 s=52
